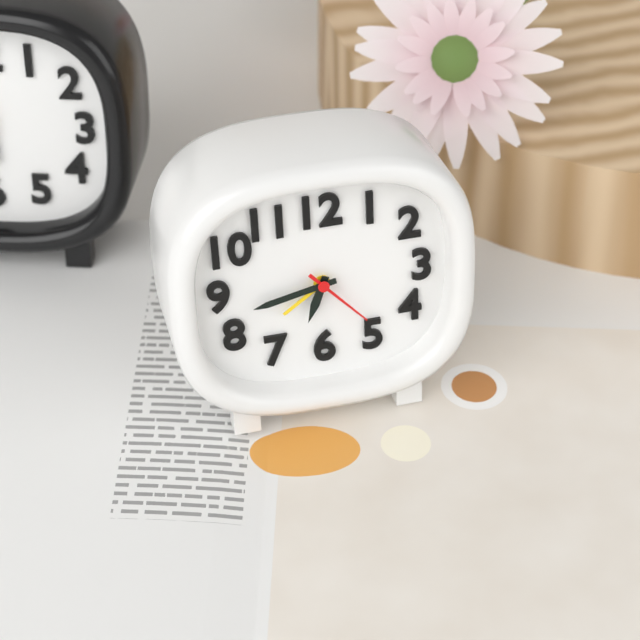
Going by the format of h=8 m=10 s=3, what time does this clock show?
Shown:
h=6 m=43 s=23
